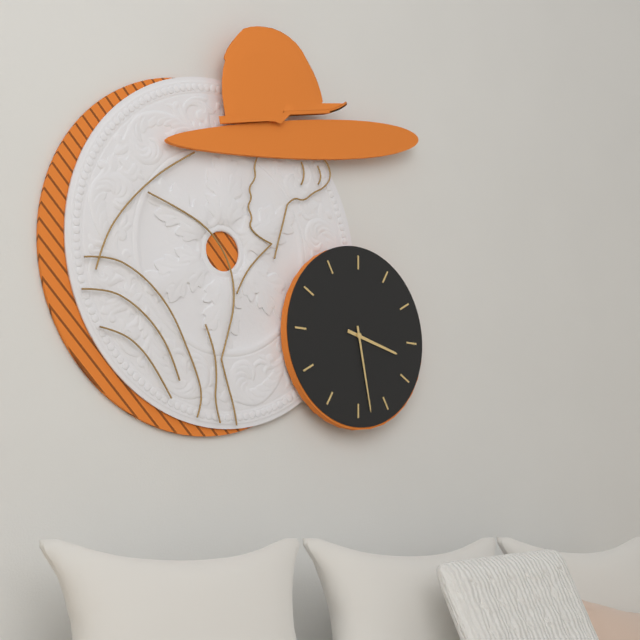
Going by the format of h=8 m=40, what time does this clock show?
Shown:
h=3 m=28
